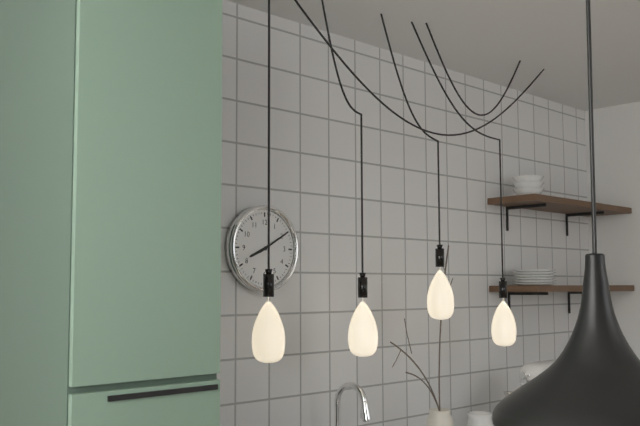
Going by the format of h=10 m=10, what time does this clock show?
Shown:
h=8 m=10
